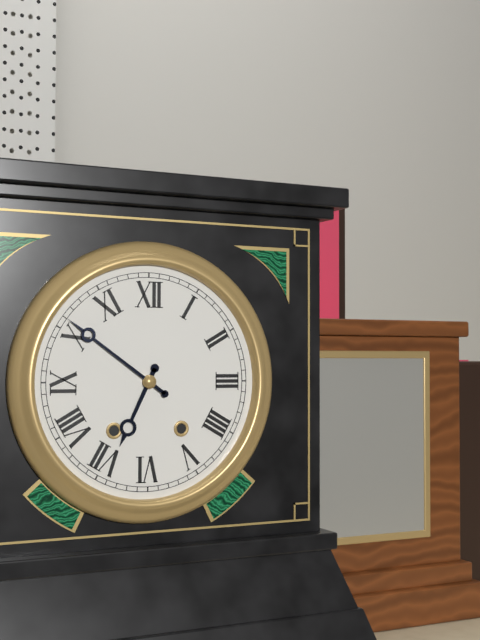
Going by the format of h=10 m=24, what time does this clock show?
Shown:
h=6 m=51
